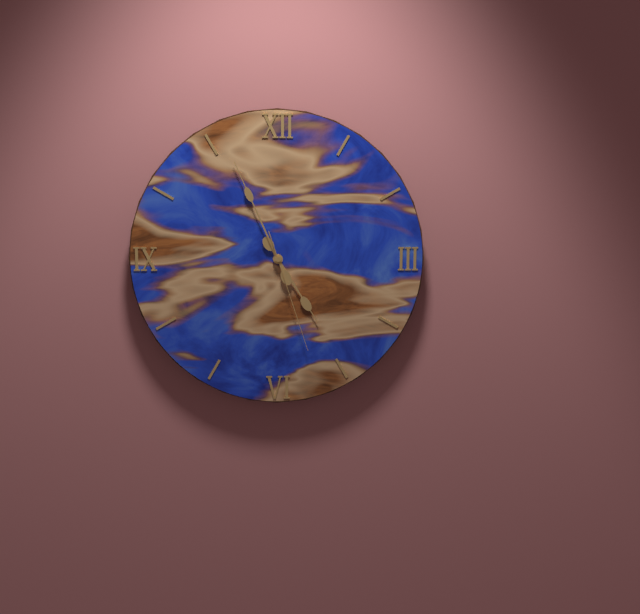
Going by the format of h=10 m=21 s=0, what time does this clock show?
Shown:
h=4 m=56 s=27
